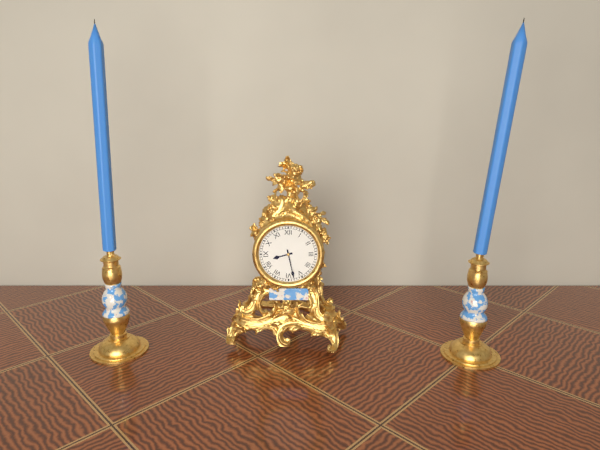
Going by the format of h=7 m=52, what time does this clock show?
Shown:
h=8 m=28
